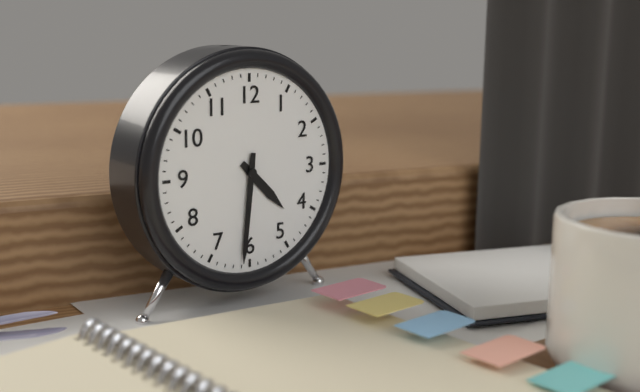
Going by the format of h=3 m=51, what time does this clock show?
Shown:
h=4 m=31
